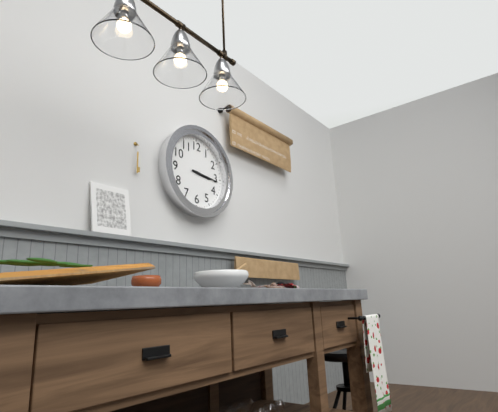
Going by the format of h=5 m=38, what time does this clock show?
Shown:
h=3 m=16
